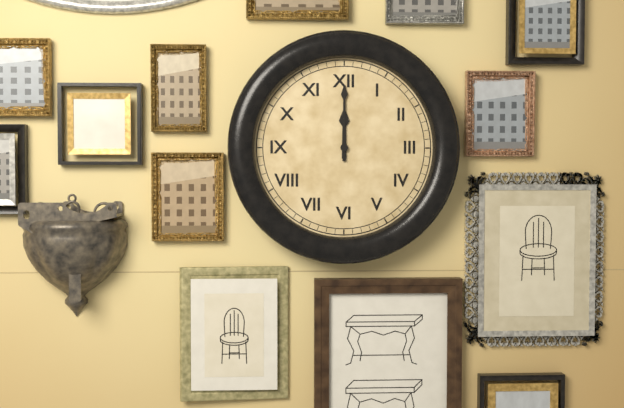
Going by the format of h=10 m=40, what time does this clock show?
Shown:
h=12 m=0
